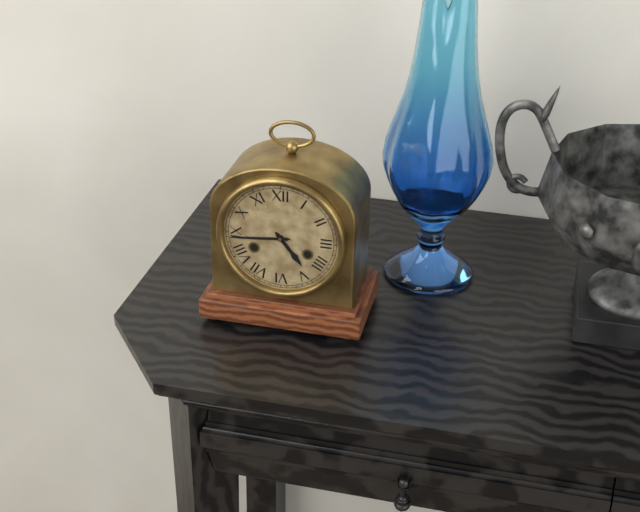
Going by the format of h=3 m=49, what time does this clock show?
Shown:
h=4 m=44
